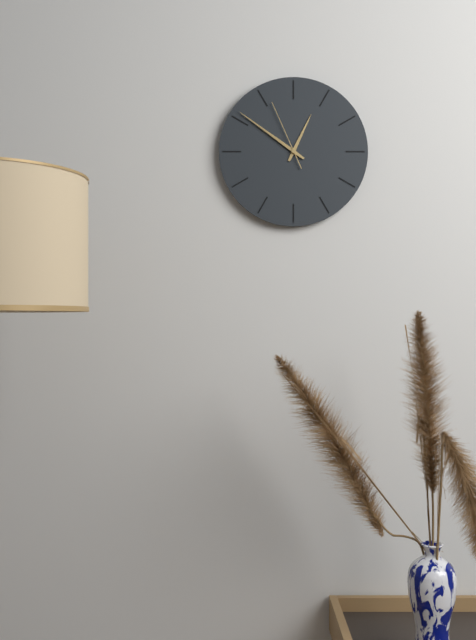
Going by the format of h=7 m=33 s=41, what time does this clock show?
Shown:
h=12 m=51 s=56
